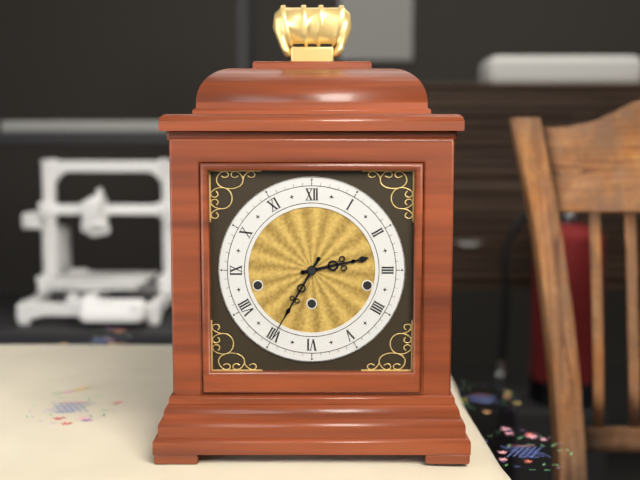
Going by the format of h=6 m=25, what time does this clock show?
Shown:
h=2 m=35
